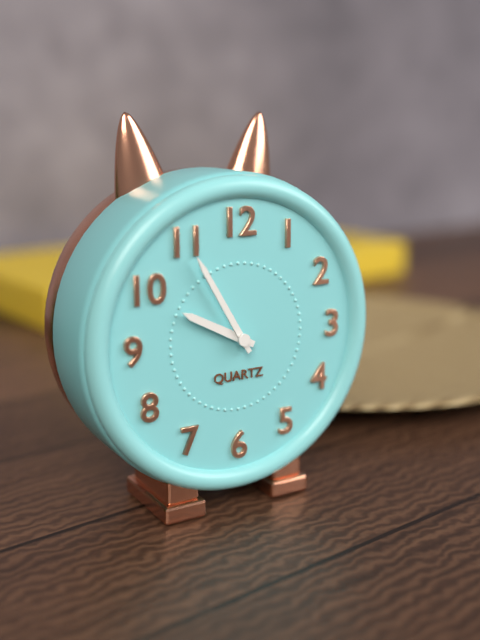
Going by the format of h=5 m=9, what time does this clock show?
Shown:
h=9 m=55
